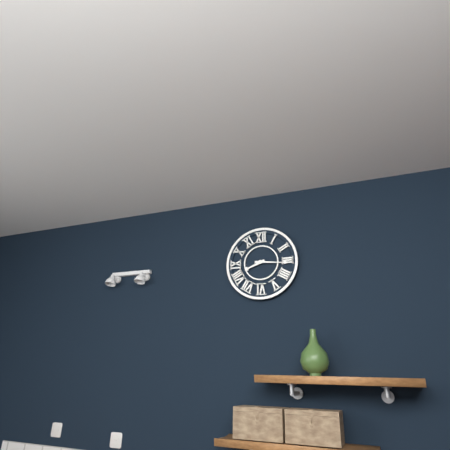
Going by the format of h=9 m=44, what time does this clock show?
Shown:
h=8 m=16
